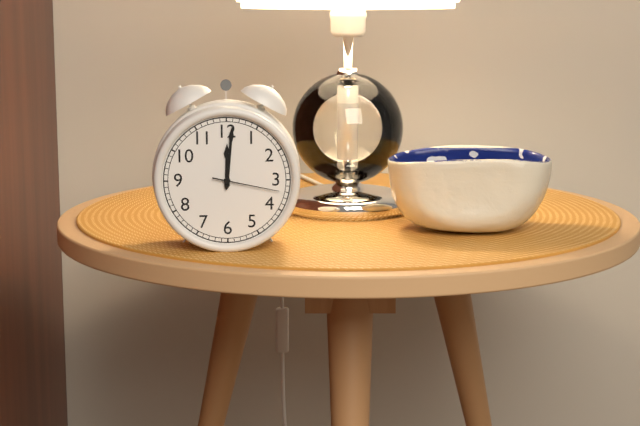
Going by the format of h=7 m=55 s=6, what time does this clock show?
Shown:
h=12 m=1 s=17
